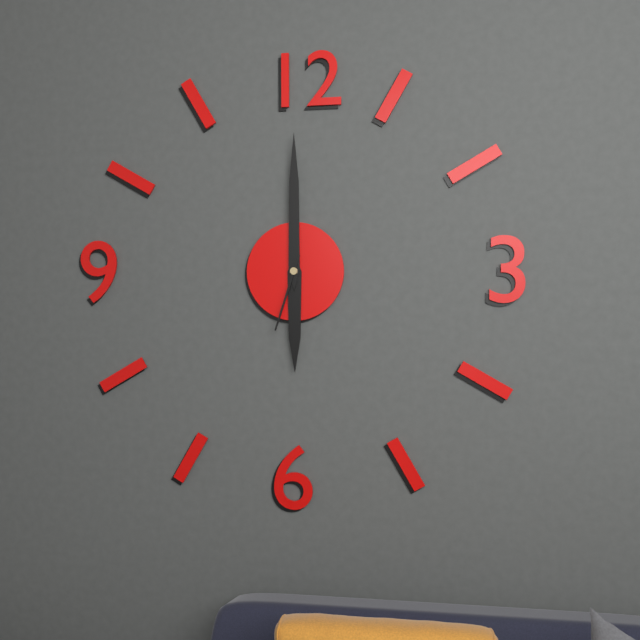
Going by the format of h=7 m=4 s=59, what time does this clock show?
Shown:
h=6 m=0 s=33
